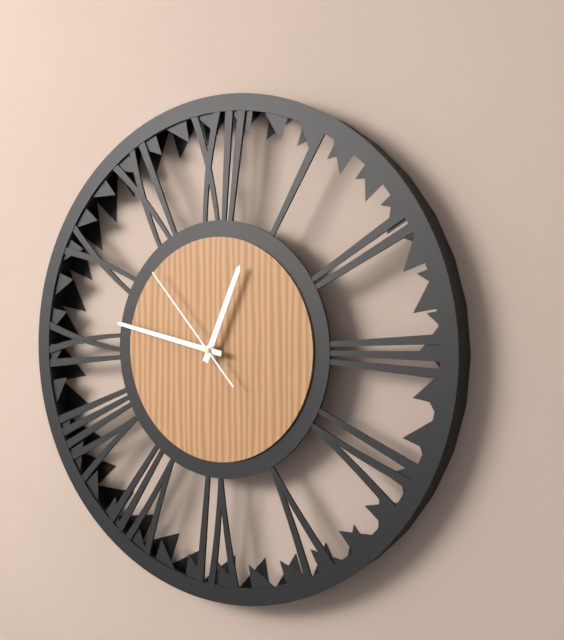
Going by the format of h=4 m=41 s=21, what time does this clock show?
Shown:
h=12 m=47 s=53
